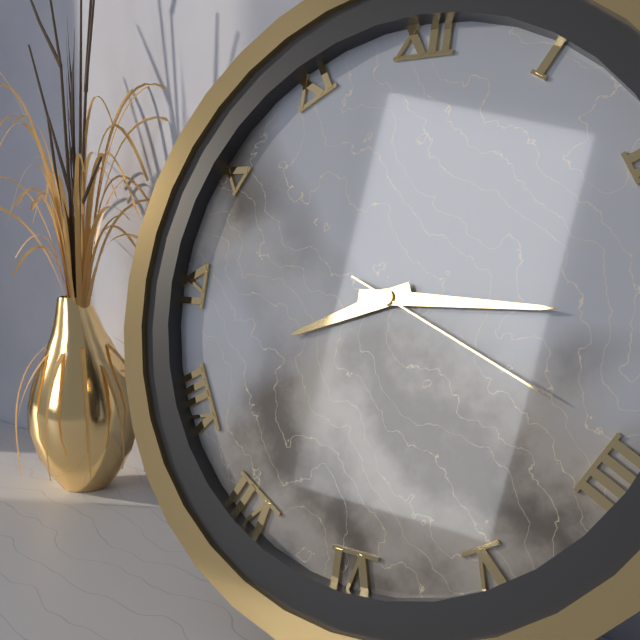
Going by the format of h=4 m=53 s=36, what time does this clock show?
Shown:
h=8 m=15 s=19
